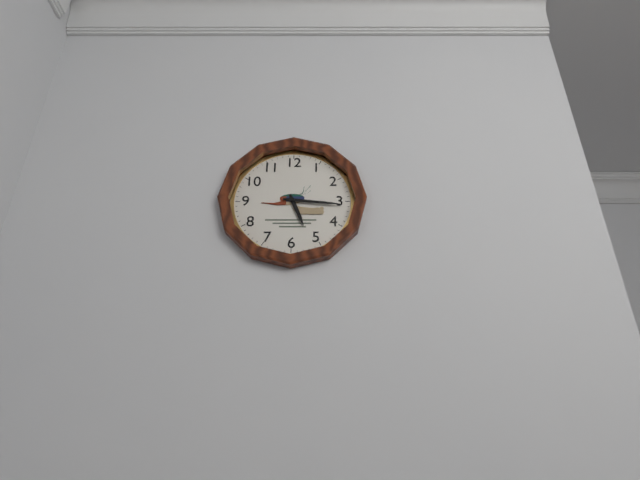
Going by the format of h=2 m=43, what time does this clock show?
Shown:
h=5 m=16
